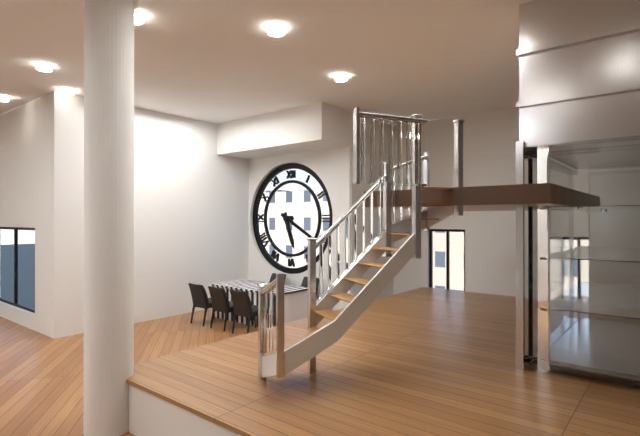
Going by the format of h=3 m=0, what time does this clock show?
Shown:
h=5 m=20
